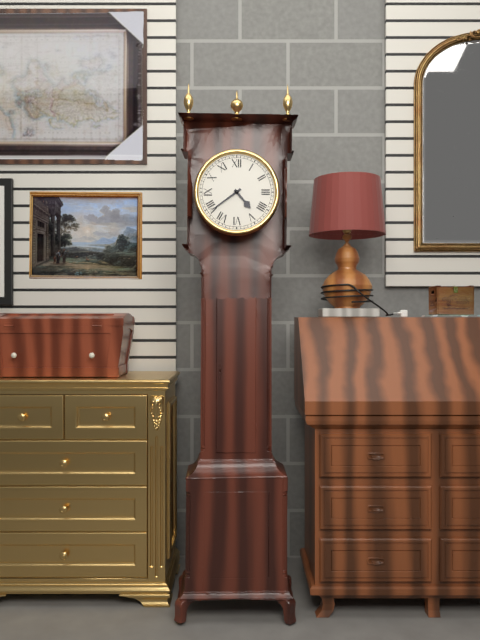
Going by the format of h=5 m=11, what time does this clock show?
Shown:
h=4 m=39
